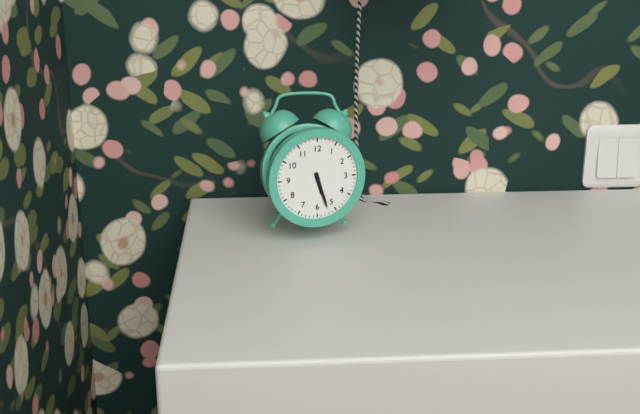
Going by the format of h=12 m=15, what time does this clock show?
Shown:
h=5 m=27
